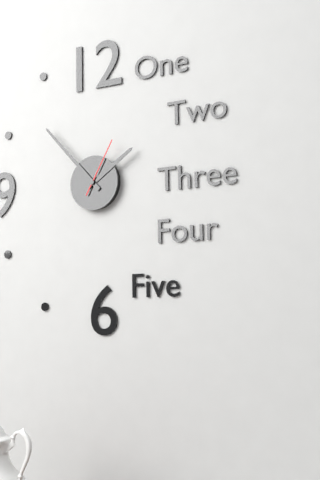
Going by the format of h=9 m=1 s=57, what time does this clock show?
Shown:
h=1 m=53 s=5
